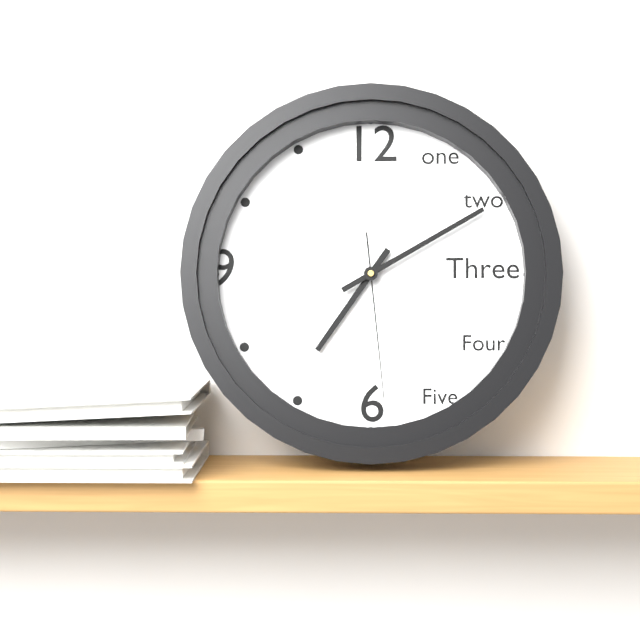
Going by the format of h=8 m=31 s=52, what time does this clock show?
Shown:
h=7 m=10 s=29
